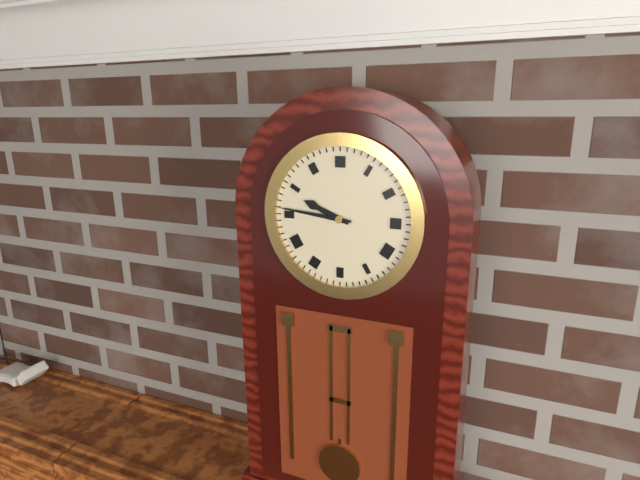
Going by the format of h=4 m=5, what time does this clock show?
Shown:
h=9 m=46
